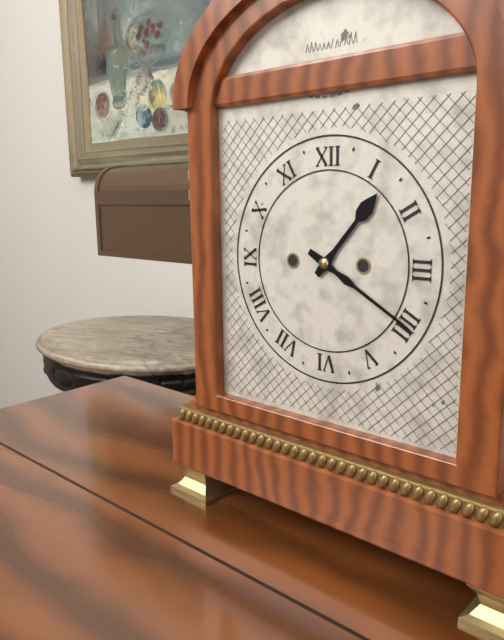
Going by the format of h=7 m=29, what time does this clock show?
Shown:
h=1 m=20
